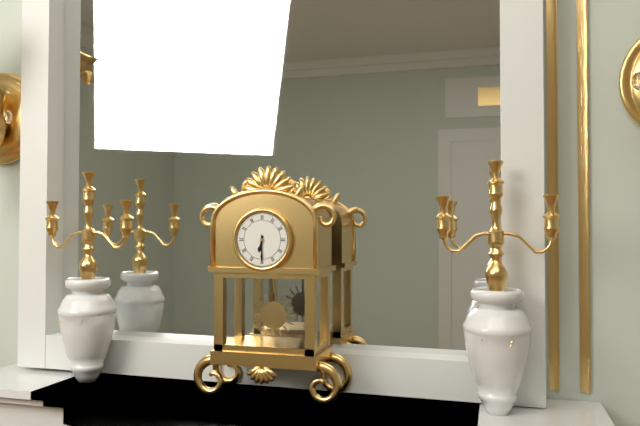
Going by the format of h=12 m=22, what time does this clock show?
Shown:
h=6 m=30
